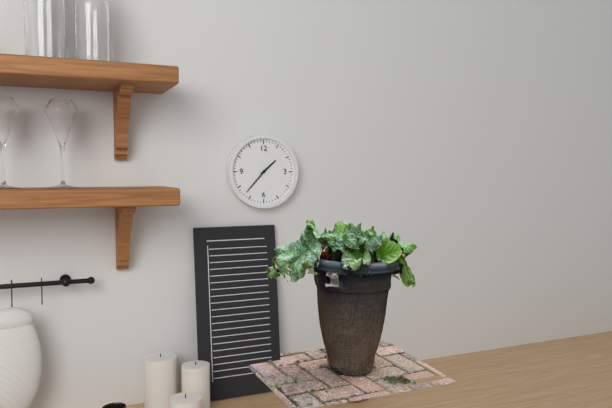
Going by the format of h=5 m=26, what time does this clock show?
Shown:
h=1 m=37
